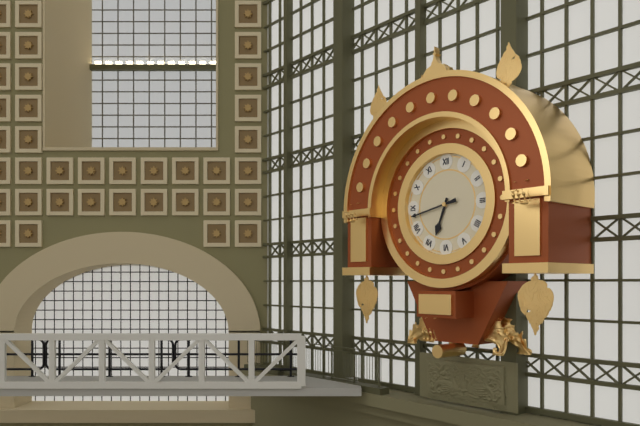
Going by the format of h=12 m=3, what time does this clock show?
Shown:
h=6 m=43
